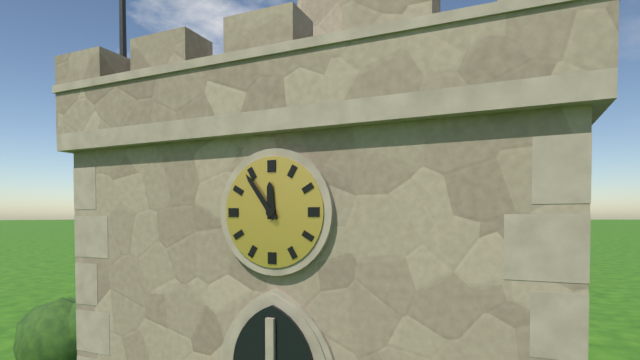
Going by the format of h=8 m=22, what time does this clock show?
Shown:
h=11 m=54
